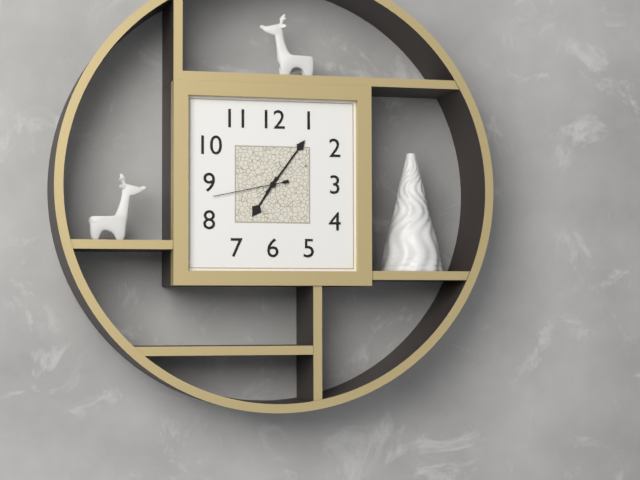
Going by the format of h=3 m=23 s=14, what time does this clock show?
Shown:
h=7 m=6 s=43
